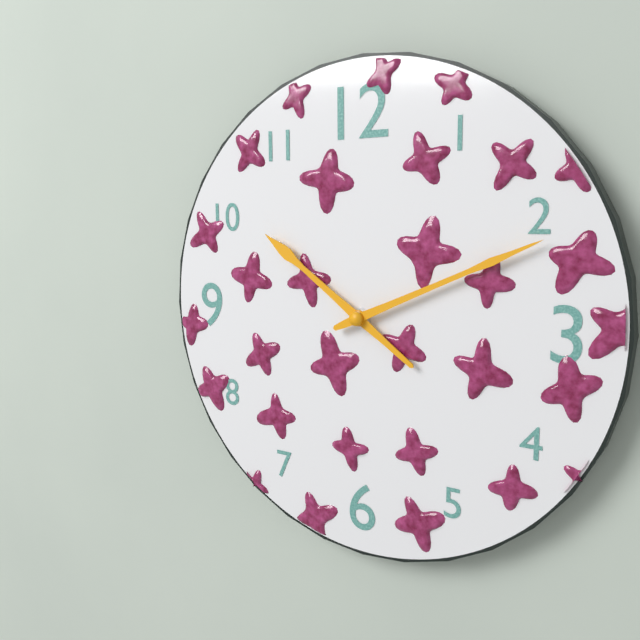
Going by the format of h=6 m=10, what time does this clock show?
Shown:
h=10 m=11
